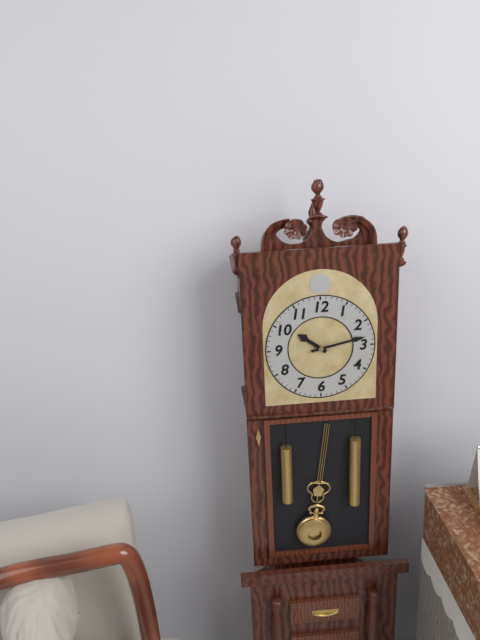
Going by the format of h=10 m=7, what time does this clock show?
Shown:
h=10 m=13
